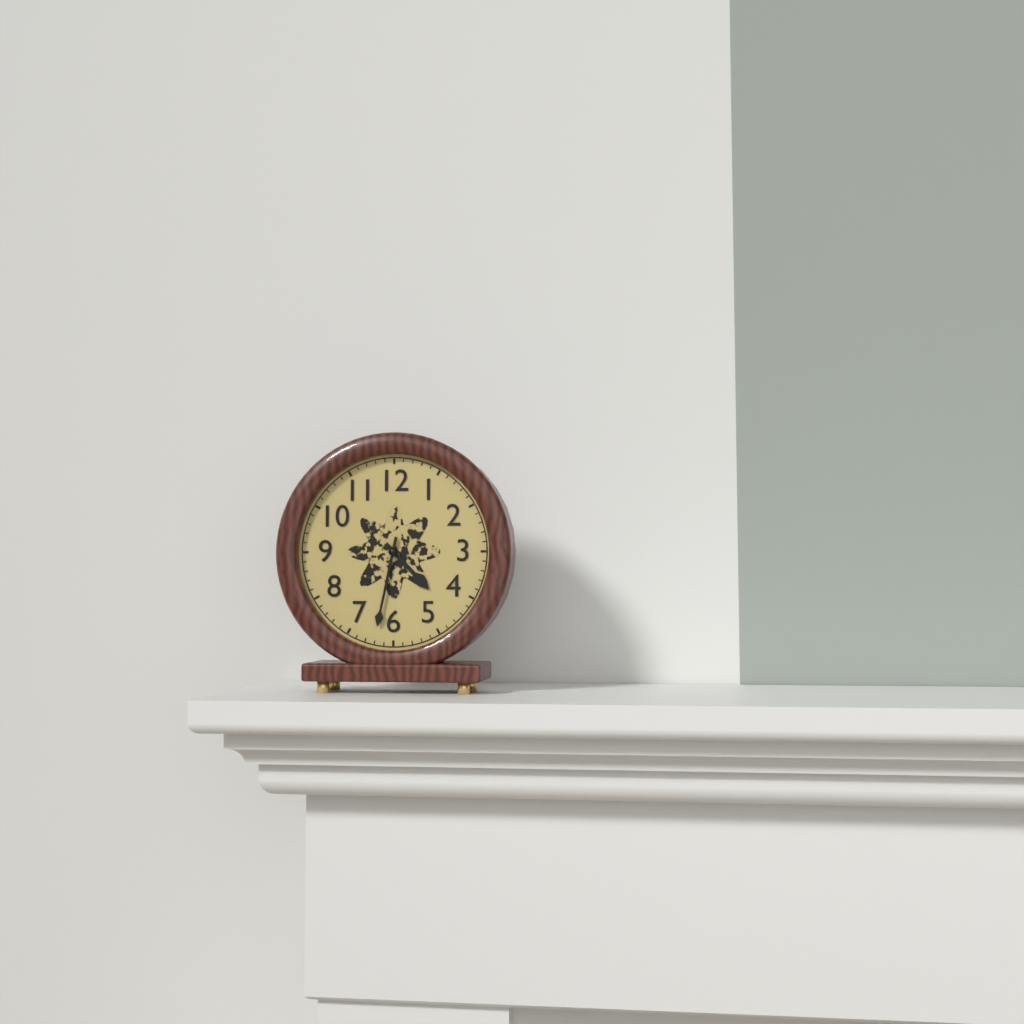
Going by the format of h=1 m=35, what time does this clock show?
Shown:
h=4 m=32
